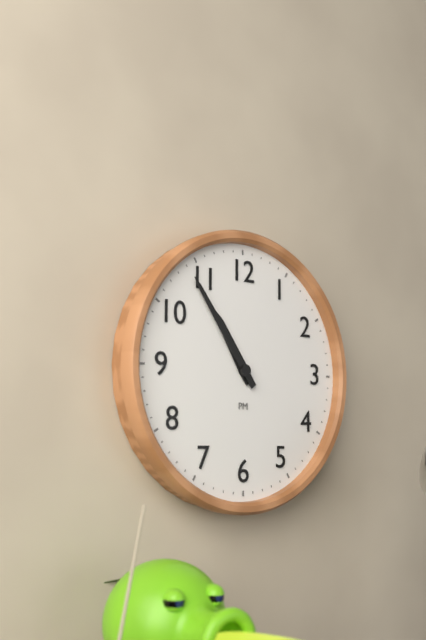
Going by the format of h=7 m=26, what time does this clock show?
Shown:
h=10 m=54
